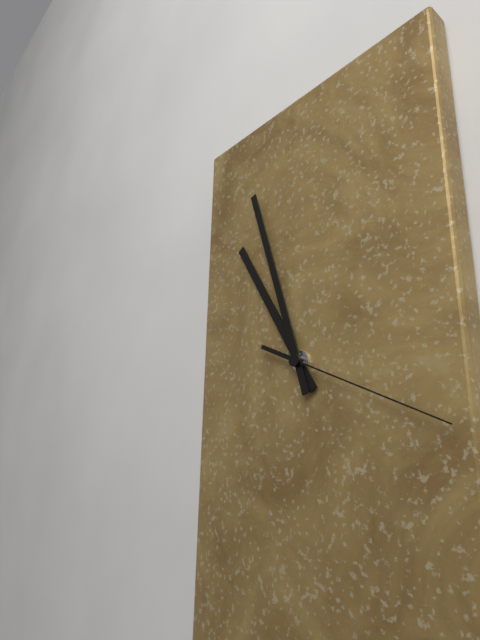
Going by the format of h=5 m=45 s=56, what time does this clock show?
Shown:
h=10 m=57 s=19
